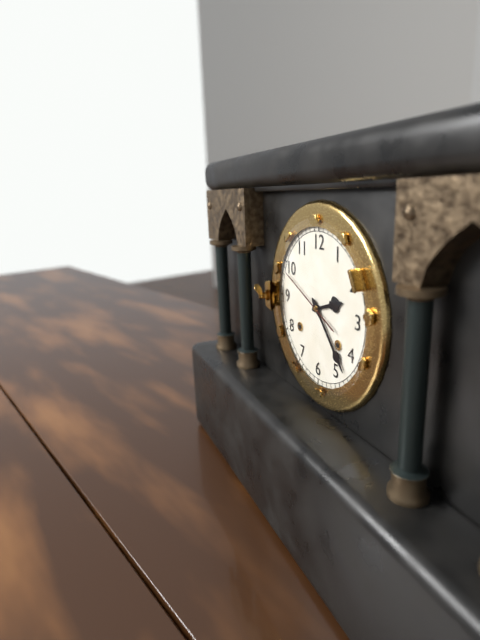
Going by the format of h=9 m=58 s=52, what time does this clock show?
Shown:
h=2 m=23 s=49
